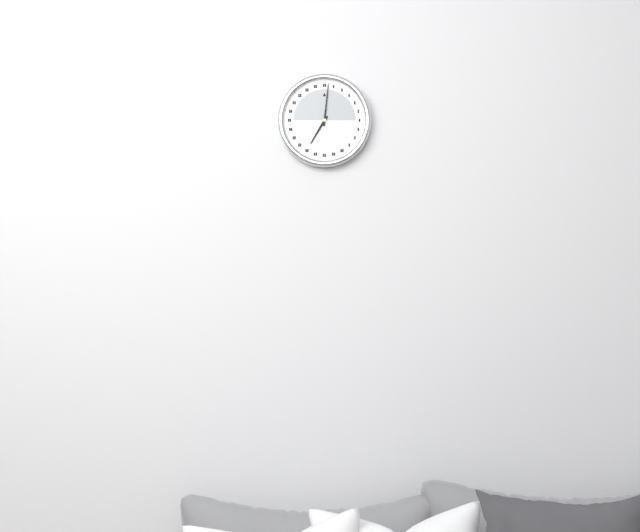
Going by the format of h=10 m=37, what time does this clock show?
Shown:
h=7 m=1
